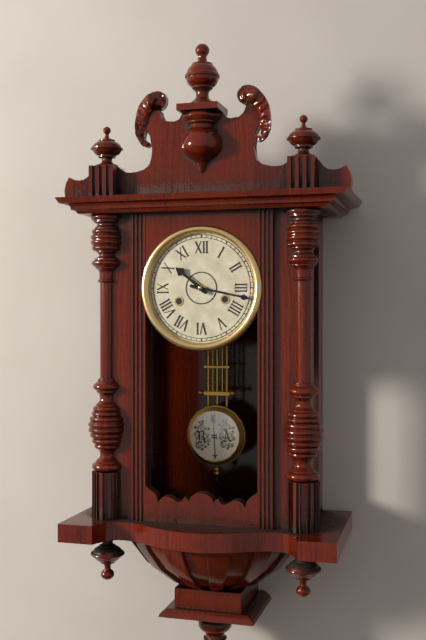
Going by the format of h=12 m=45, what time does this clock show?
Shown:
h=10 m=17
